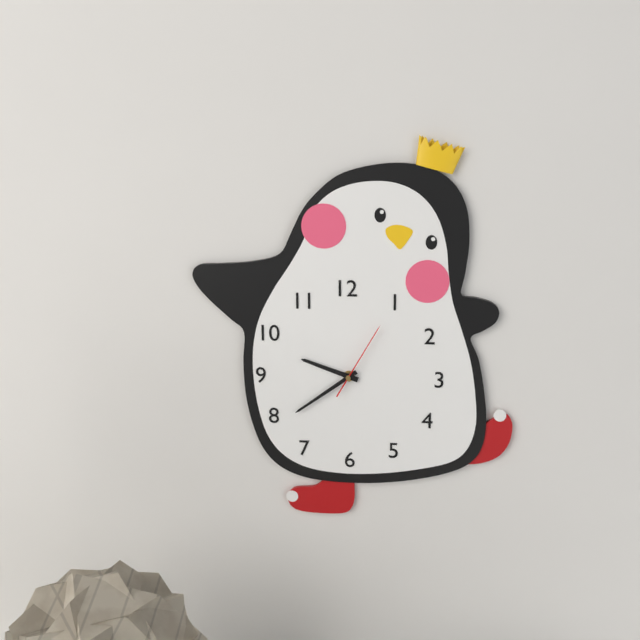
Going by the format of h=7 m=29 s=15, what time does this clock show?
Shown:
h=9 m=39 s=5
